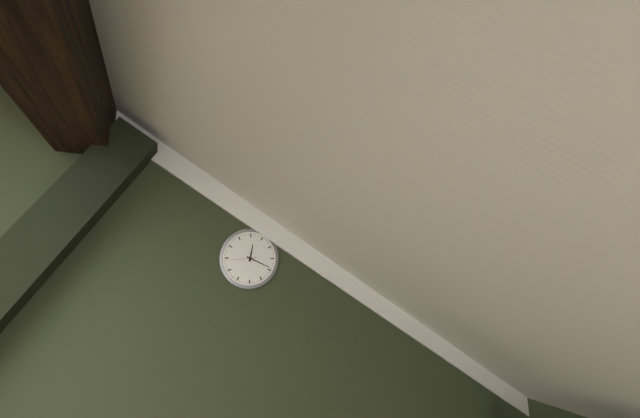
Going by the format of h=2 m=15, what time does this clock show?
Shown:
h=12 m=19
